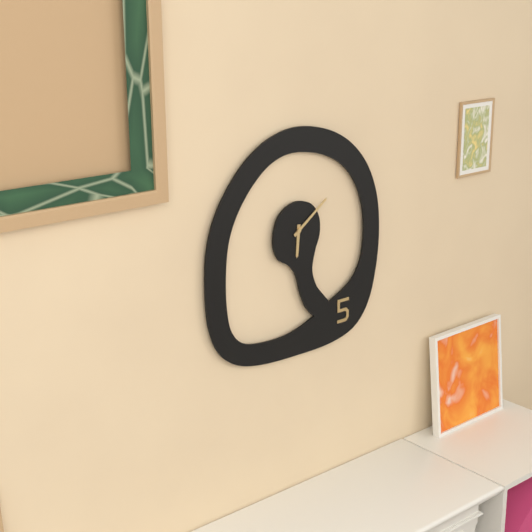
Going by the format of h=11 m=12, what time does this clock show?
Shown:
h=6 m=9
